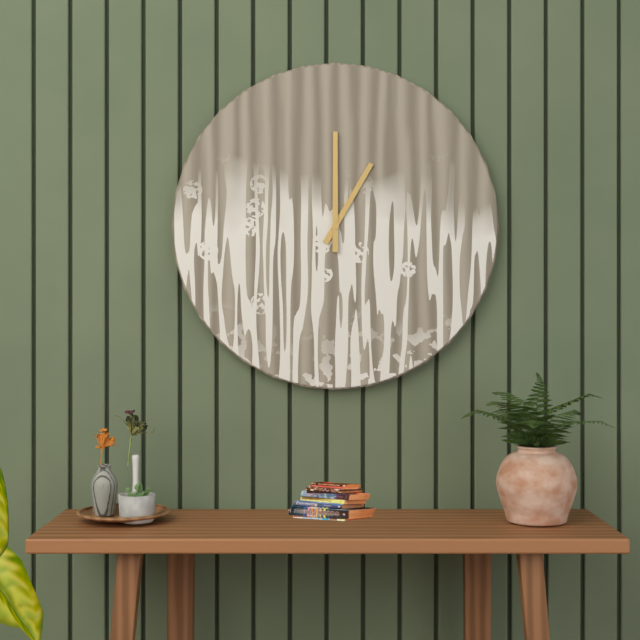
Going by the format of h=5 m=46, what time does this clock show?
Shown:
h=1 m=0
